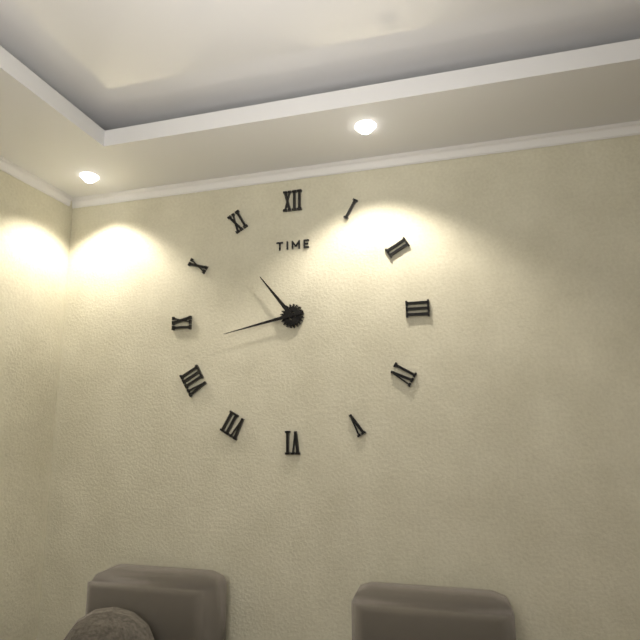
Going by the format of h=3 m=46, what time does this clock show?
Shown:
h=10 m=43
